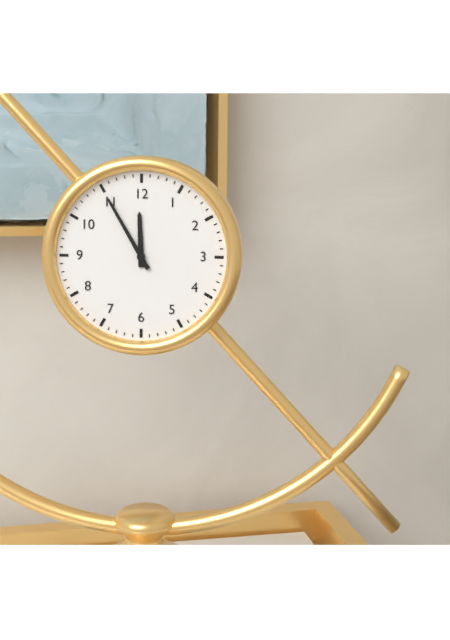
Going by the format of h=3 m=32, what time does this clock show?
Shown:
h=11 m=55
